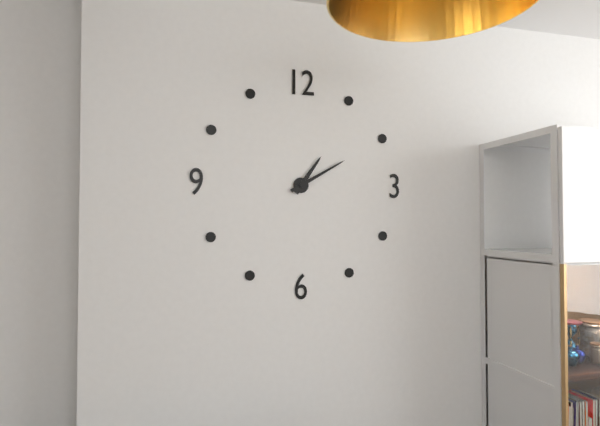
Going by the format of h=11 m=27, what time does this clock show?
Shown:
h=1 m=10
